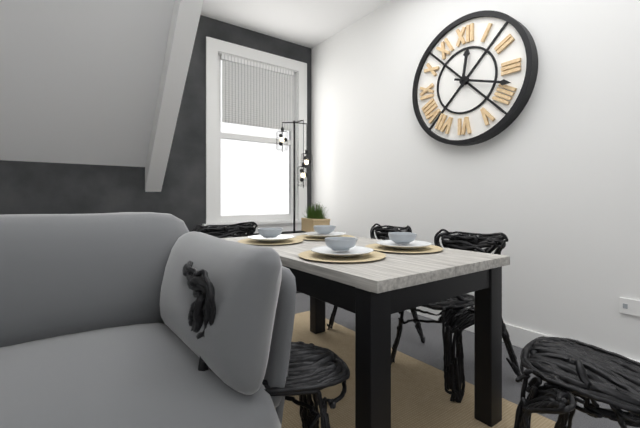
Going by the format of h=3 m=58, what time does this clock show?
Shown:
h=12 m=18
